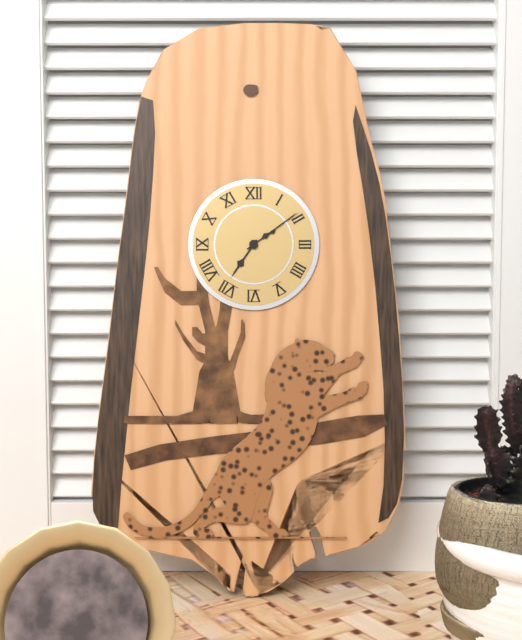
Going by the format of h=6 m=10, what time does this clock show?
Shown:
h=7 m=9
